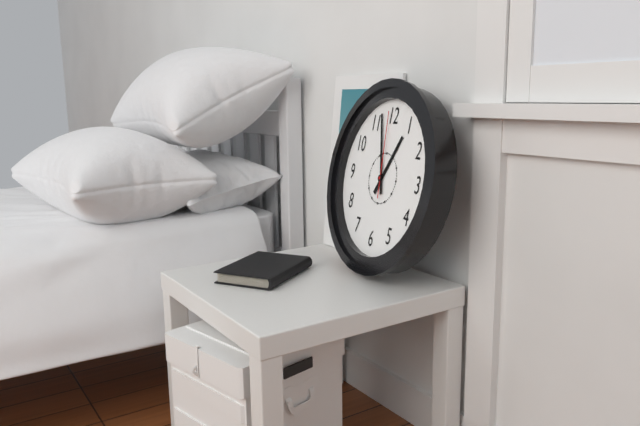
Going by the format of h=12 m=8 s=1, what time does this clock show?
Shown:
h=12 m=57 s=59
